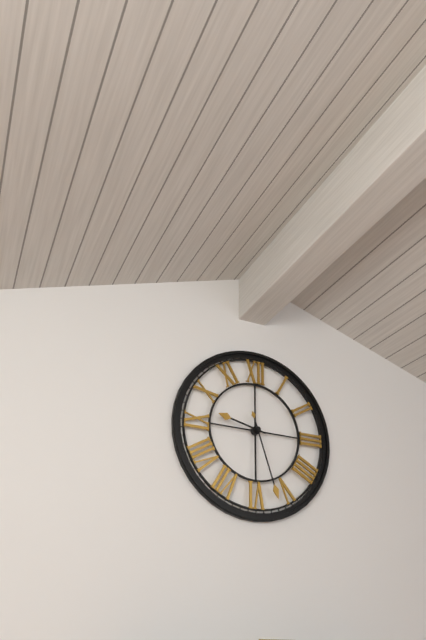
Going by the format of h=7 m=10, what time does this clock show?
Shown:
h=9 m=27
